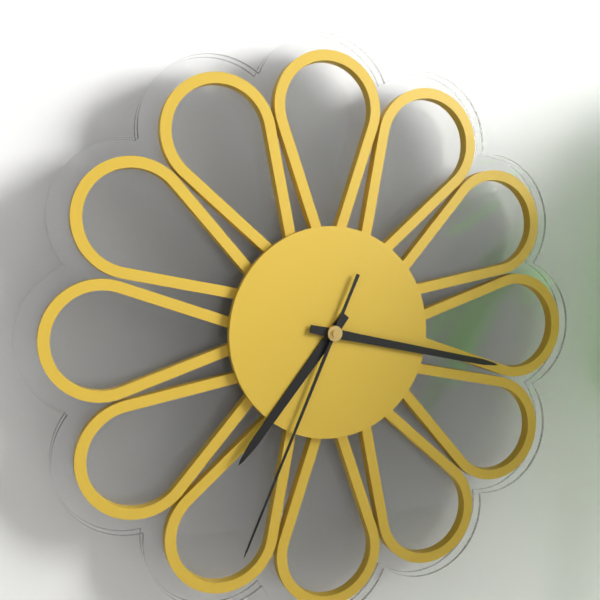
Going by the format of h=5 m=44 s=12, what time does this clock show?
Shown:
h=7 m=17 s=34
